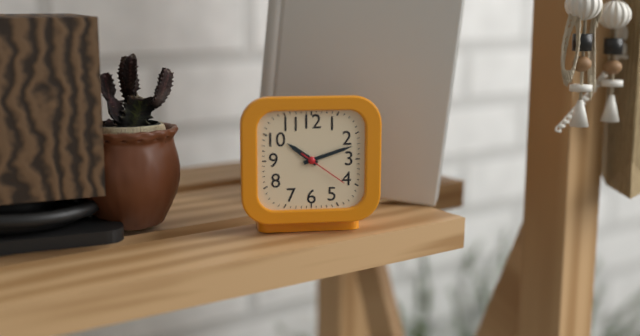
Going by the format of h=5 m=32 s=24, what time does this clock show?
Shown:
h=10 m=12 s=21
